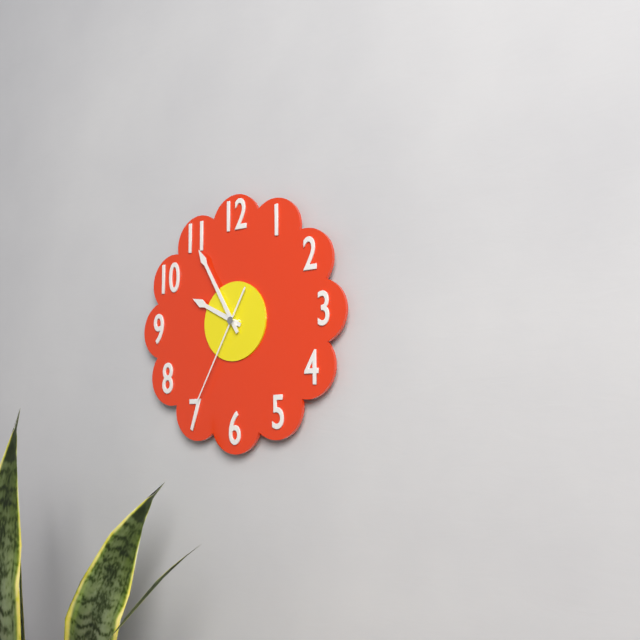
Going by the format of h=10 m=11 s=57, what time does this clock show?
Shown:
h=9 m=55 s=35
